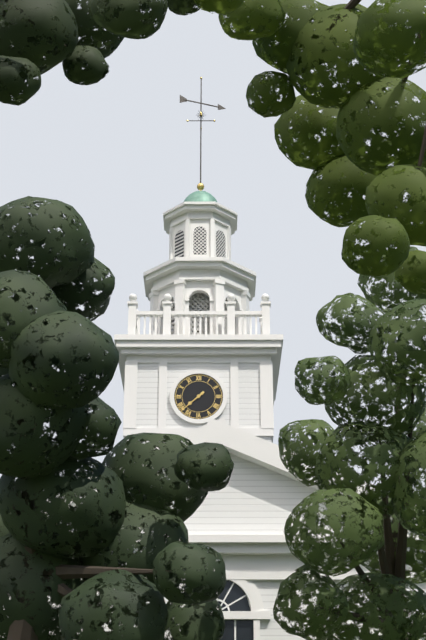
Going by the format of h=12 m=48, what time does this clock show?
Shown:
h=7 m=38
